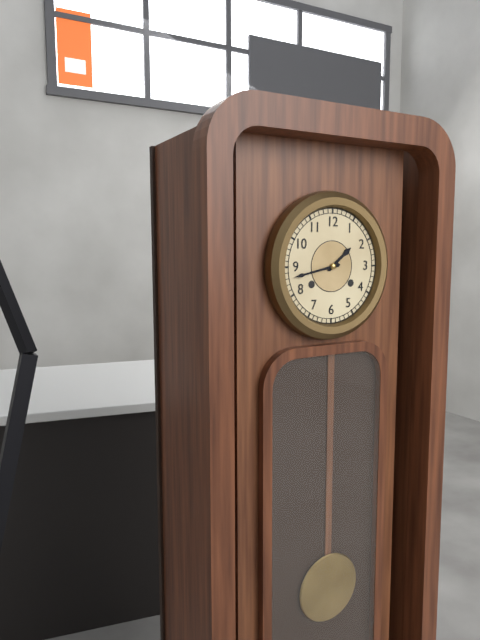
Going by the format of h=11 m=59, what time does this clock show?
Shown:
h=1 m=43
